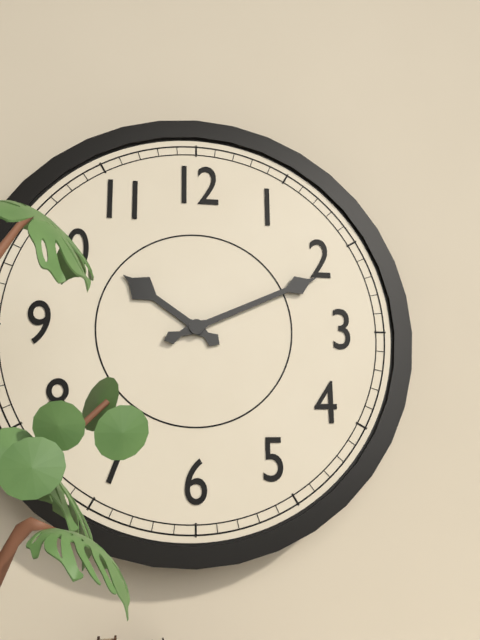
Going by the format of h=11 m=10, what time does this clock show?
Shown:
h=10 m=11
